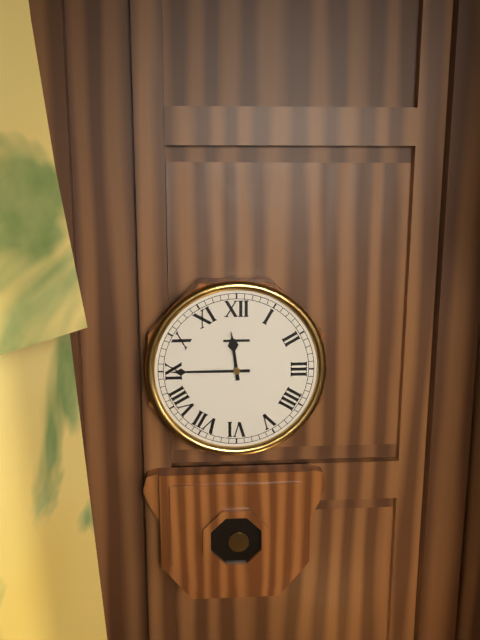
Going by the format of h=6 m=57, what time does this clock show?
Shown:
h=11 m=45
